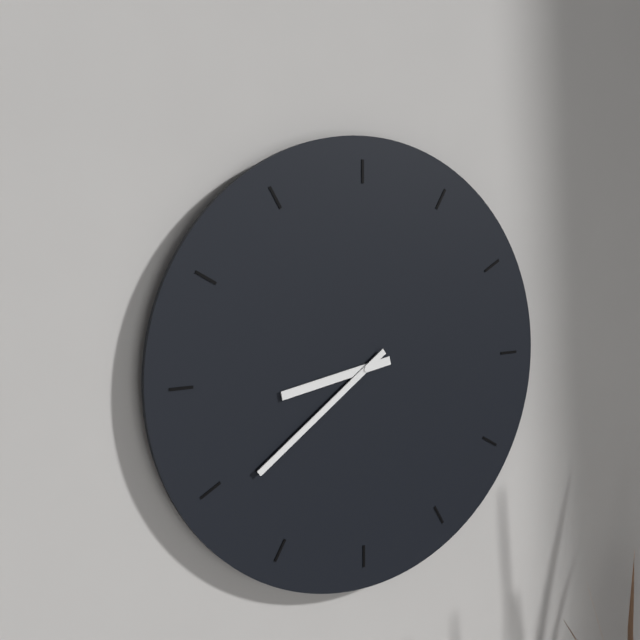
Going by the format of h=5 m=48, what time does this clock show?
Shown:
h=8 m=39
